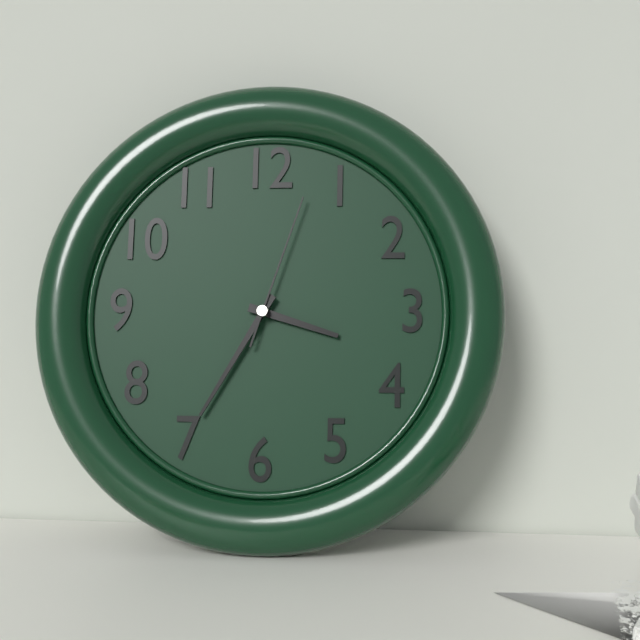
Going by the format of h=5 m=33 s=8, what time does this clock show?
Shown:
h=3 m=35 s=3
